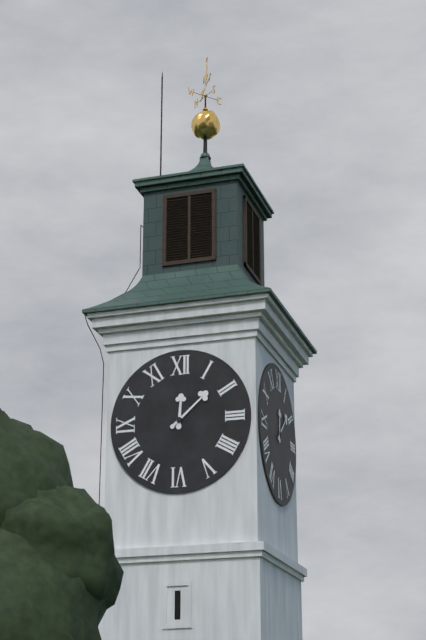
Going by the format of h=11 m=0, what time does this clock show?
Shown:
h=12 m=8
